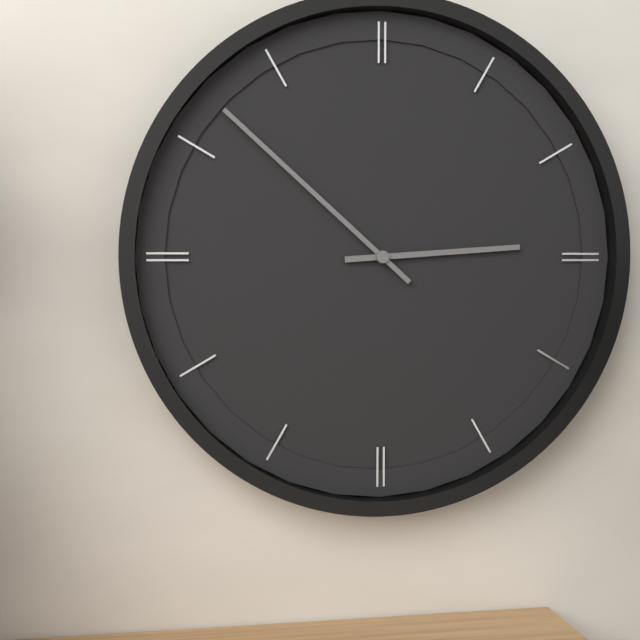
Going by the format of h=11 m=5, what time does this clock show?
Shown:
h=2 m=52
